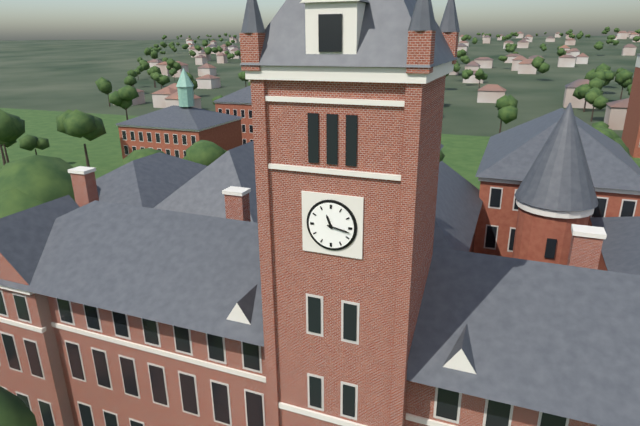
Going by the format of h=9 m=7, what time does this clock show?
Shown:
h=11 m=17
